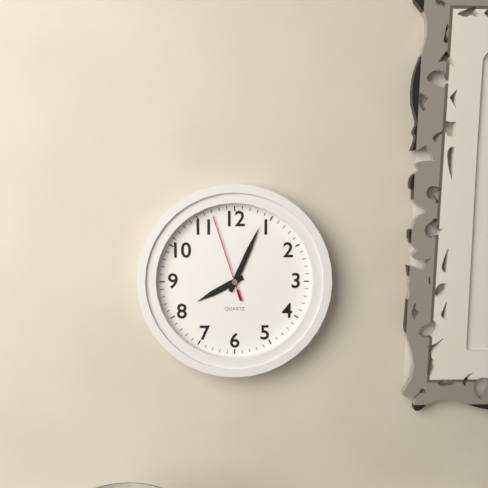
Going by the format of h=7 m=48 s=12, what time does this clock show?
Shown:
h=8 m=4 s=57
